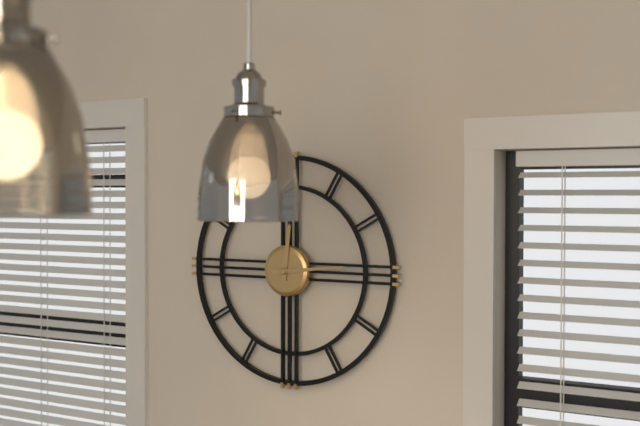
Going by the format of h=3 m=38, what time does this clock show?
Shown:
h=12 m=14
